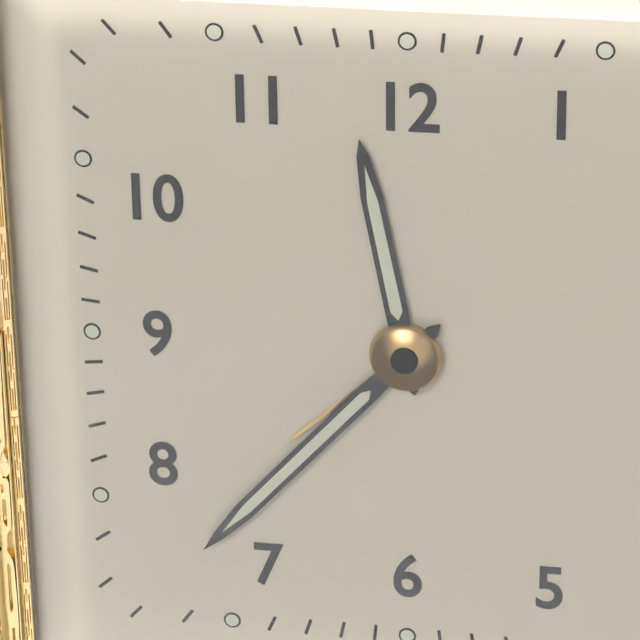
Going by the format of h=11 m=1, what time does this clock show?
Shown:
h=11 m=37
